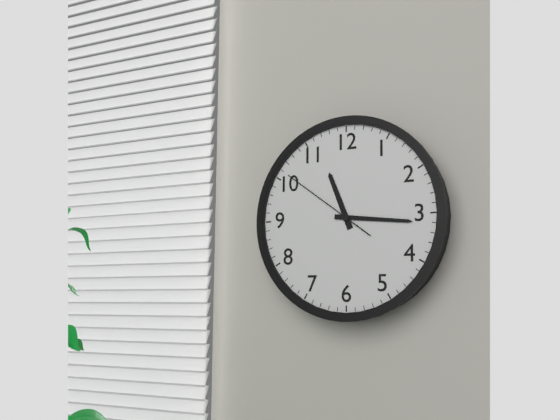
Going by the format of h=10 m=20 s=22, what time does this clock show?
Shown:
h=11 m=16 s=51
